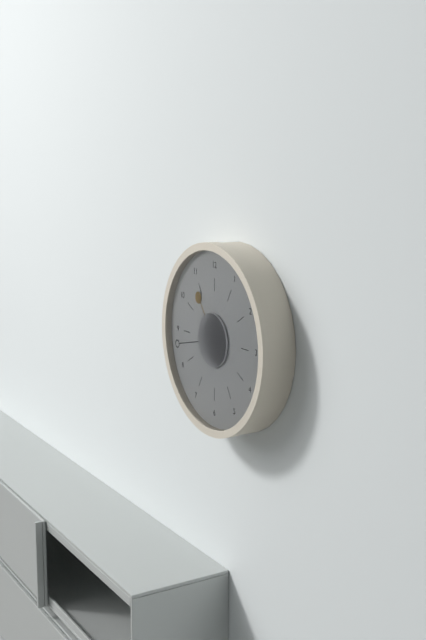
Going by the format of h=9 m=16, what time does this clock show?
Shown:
h=10 m=43
